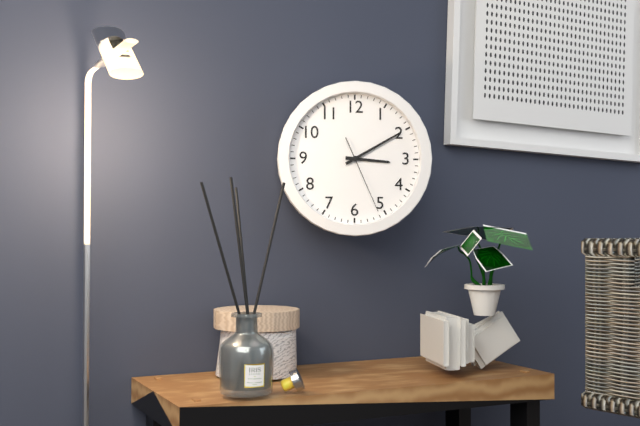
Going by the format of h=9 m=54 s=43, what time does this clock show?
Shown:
h=3 m=10 s=26
